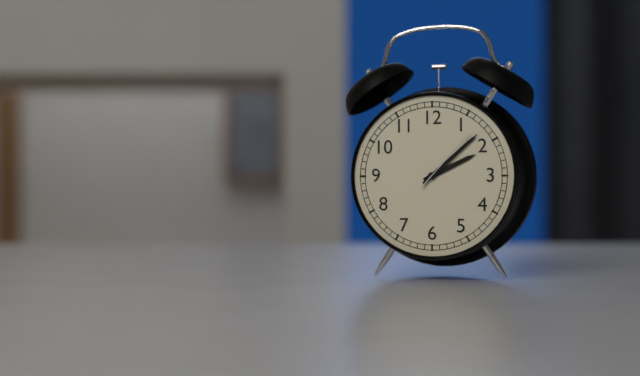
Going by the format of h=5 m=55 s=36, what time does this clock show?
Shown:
h=2 m=8 s=7
